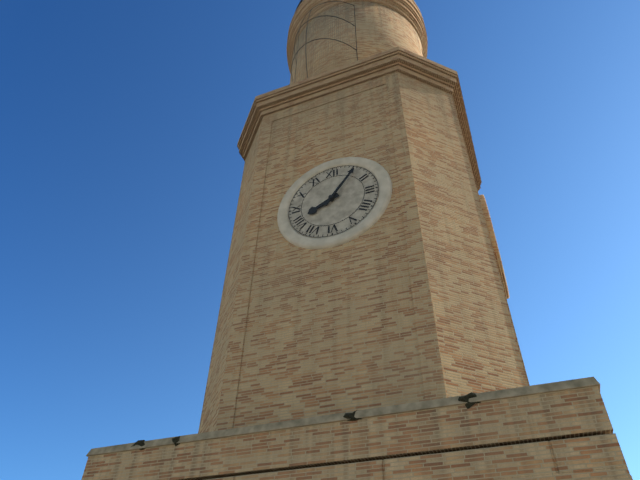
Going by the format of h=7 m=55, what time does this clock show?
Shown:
h=8 m=6
